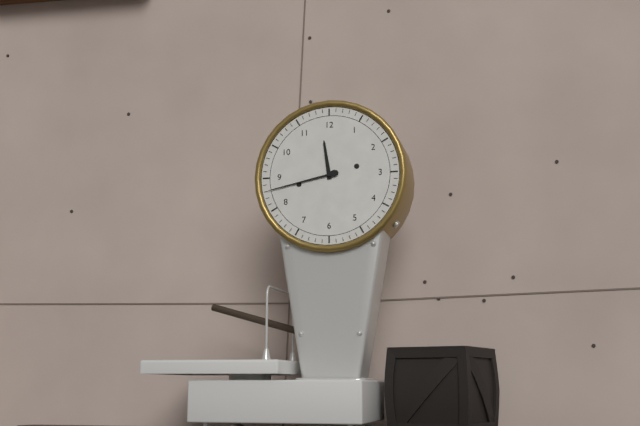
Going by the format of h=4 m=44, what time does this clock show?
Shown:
h=11 m=43
